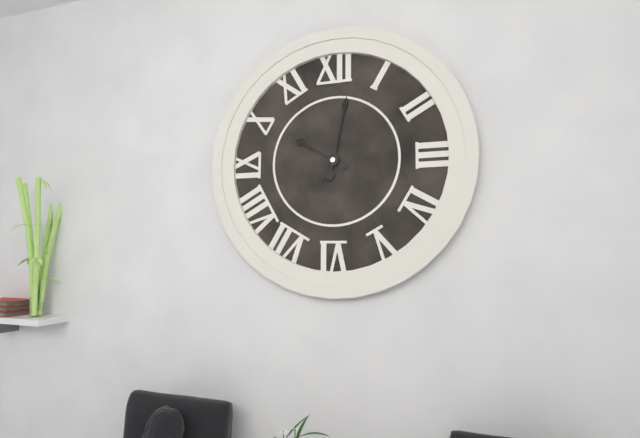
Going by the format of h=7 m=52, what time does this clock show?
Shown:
h=10 m=2
